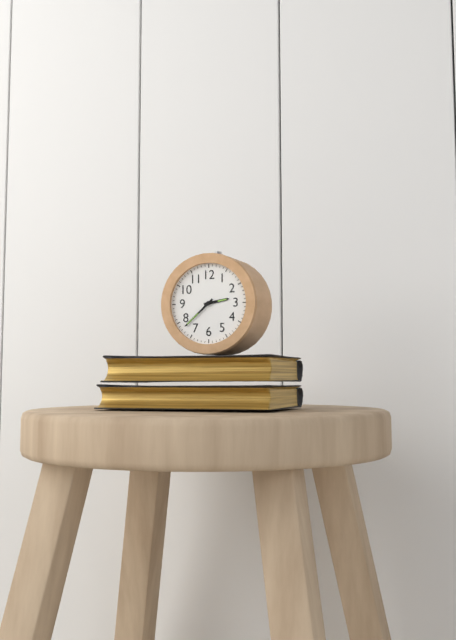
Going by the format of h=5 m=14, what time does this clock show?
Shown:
h=2 m=38
